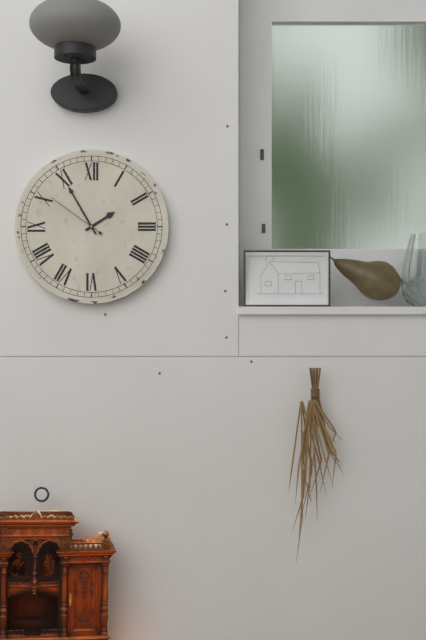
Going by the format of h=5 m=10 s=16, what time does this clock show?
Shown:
h=1 m=55 s=51
